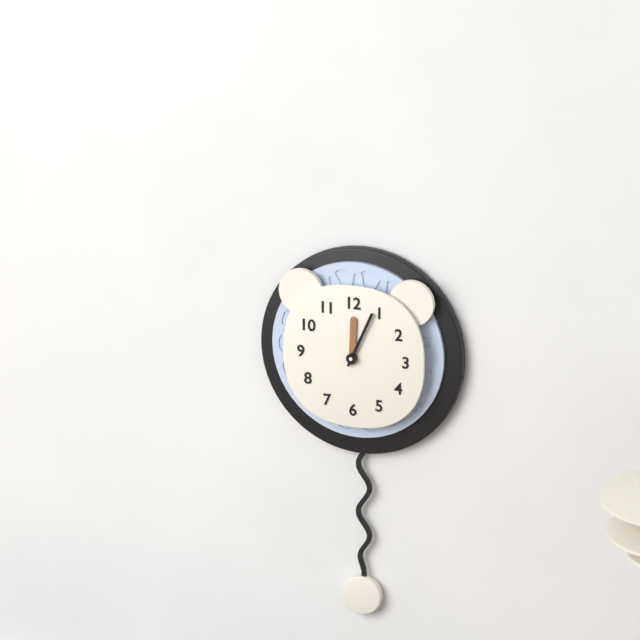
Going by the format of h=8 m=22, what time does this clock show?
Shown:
h=12 m=4
